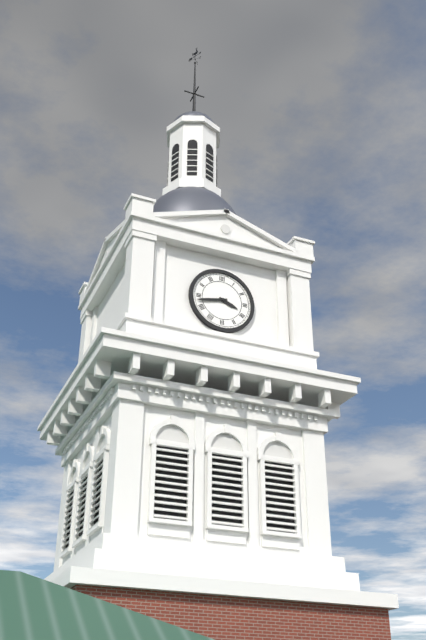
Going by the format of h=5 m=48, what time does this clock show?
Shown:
h=3 m=43
